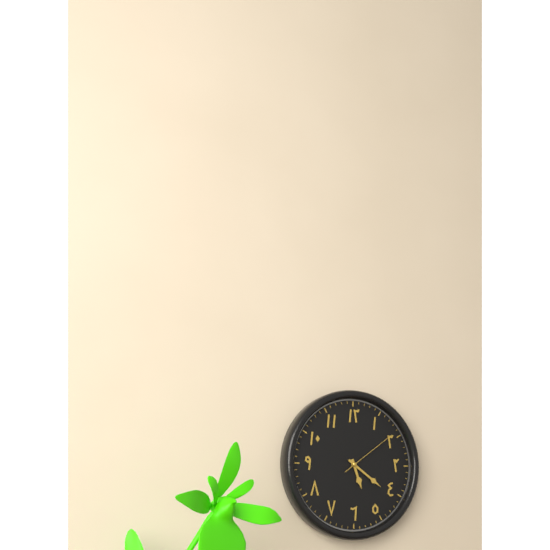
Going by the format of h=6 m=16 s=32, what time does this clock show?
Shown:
h=5 m=21 s=9
